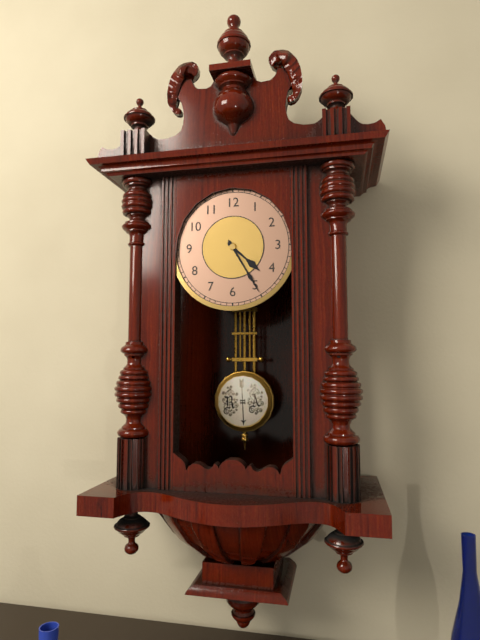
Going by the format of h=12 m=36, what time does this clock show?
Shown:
h=4 m=25
